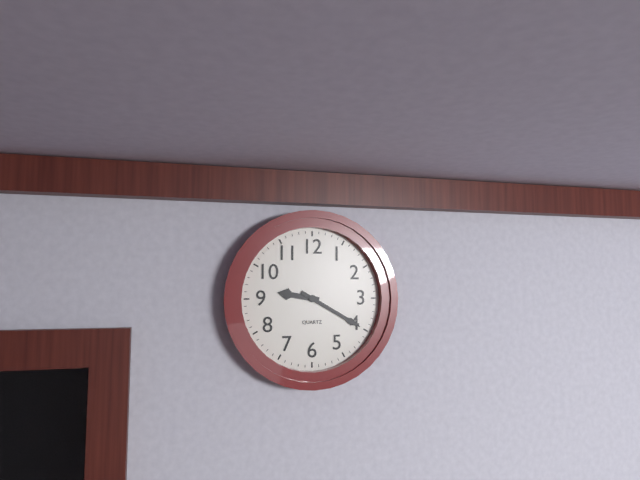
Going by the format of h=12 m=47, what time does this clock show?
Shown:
h=9 m=20
